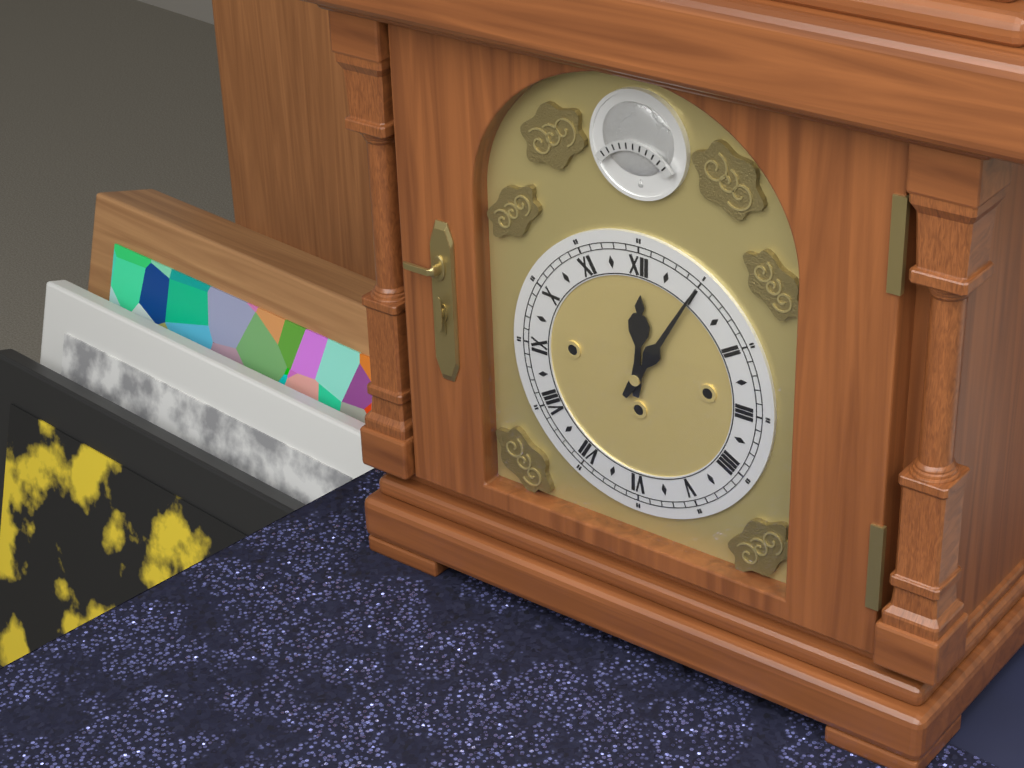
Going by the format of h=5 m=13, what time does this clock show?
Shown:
h=12 m=5
